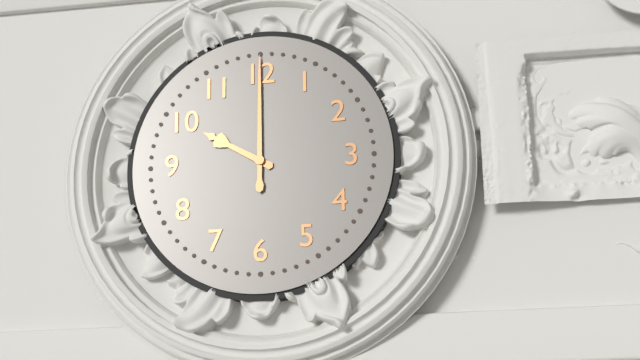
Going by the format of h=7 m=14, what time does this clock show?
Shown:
h=10 m=0
